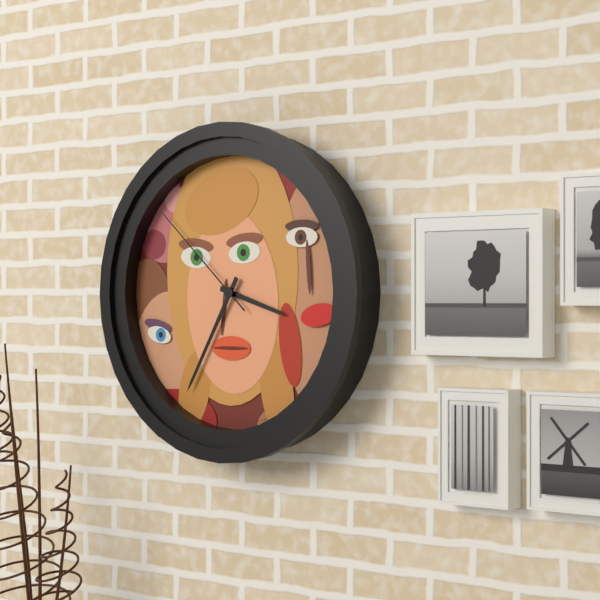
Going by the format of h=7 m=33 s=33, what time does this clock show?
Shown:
h=3 m=35 s=52
